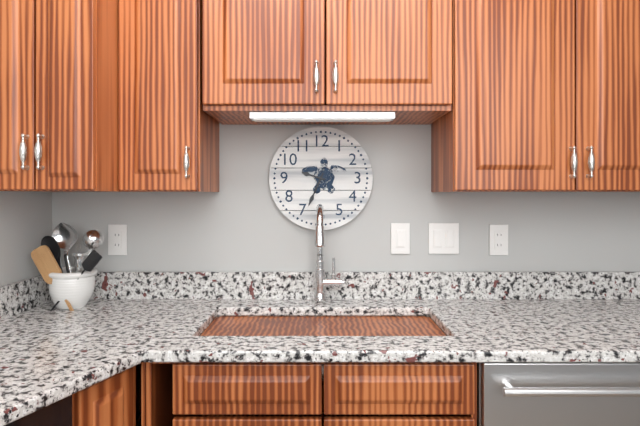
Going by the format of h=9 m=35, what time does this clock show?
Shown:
h=9 m=34
